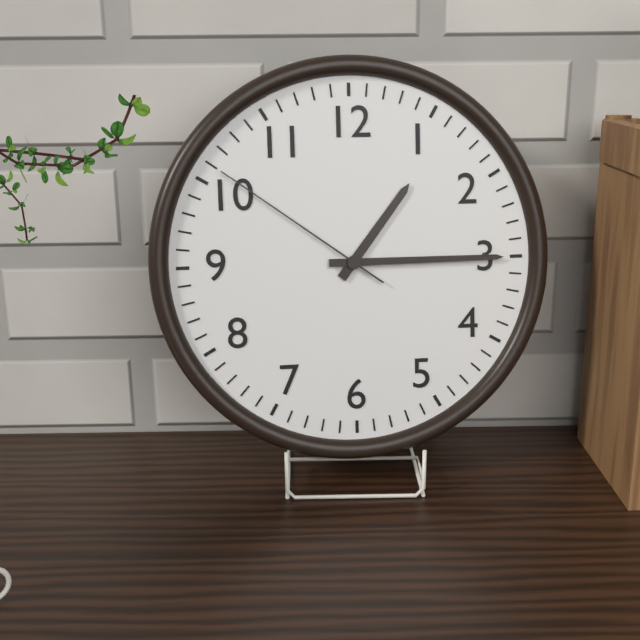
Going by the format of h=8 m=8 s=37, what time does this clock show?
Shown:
h=1 m=15 s=51
